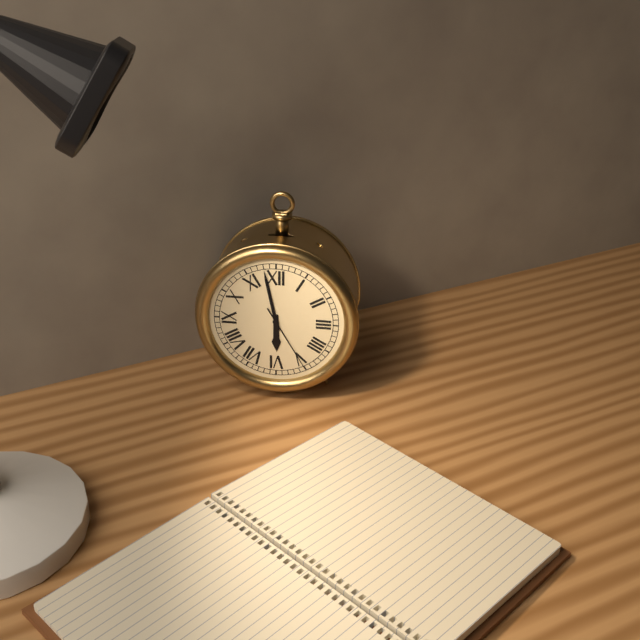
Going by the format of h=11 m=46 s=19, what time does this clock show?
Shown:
h=5 m=58 s=25
